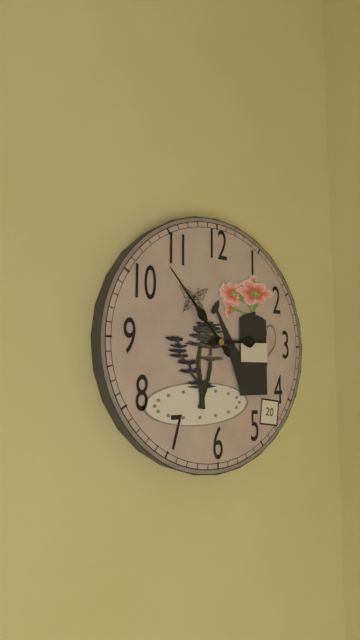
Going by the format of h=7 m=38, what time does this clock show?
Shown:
h=2 m=53
